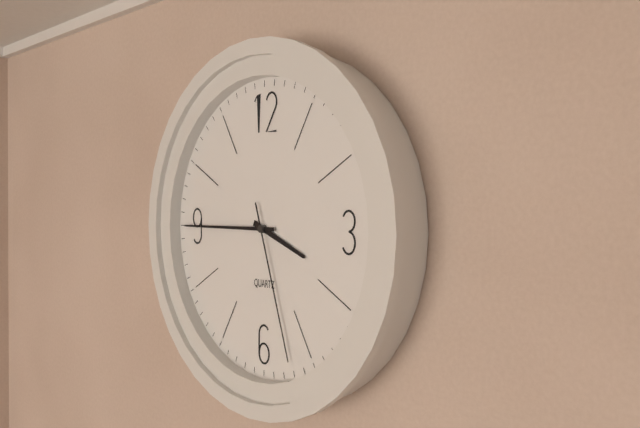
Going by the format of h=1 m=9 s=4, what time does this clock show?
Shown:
h=3 m=45 s=27
